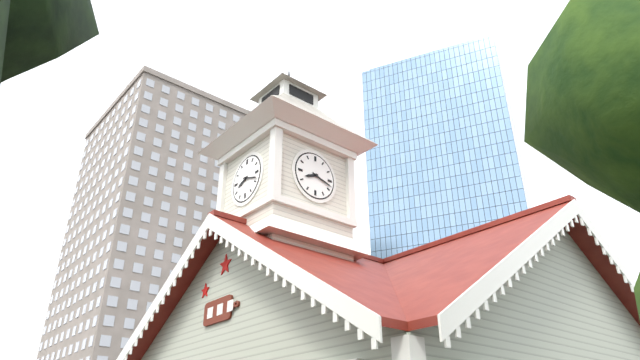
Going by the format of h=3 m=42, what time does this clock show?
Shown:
h=8 m=18
